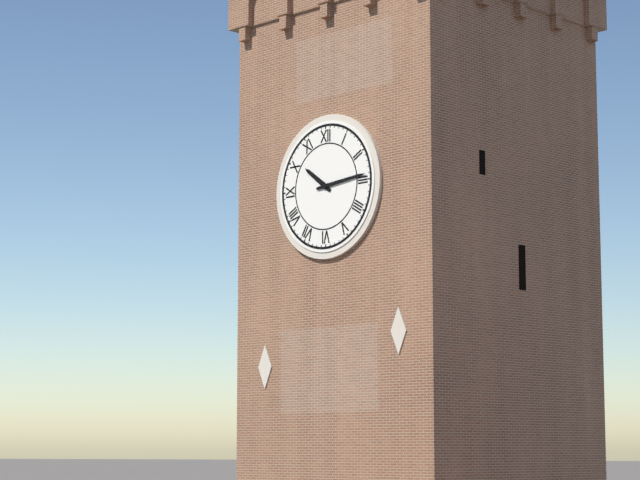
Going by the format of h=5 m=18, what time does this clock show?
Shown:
h=10 m=14
